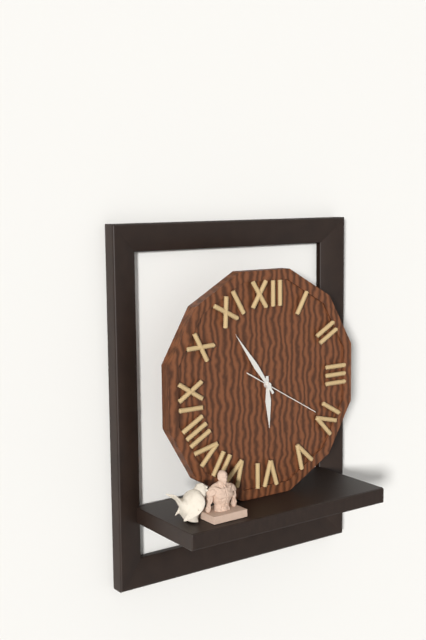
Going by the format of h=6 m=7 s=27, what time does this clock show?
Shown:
h=5 m=54 s=20
